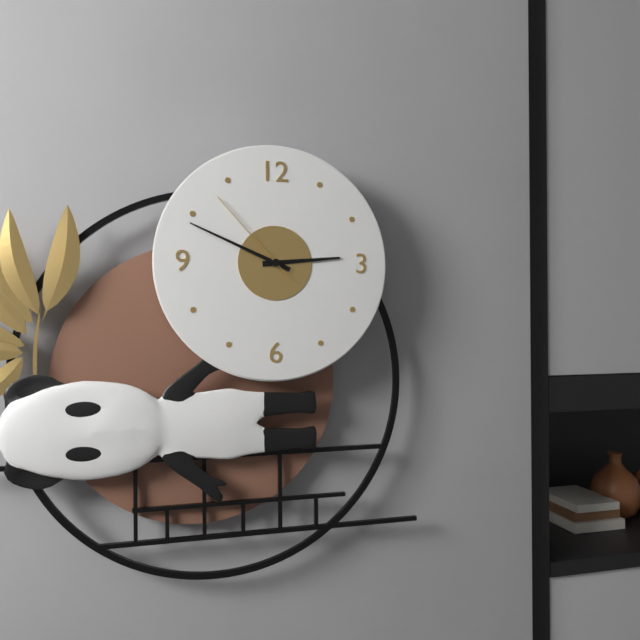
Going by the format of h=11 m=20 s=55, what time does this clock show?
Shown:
h=2 m=49 s=53
